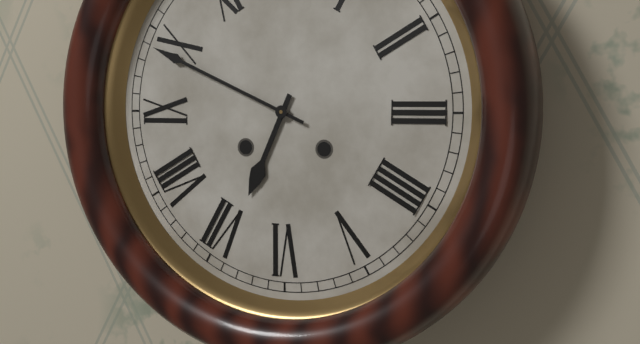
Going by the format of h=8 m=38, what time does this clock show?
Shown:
h=6 m=49
